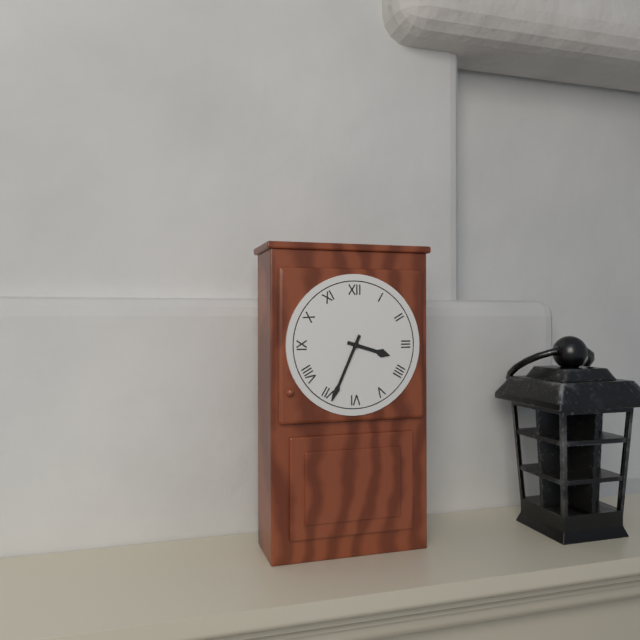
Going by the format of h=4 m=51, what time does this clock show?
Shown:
h=3 m=34
